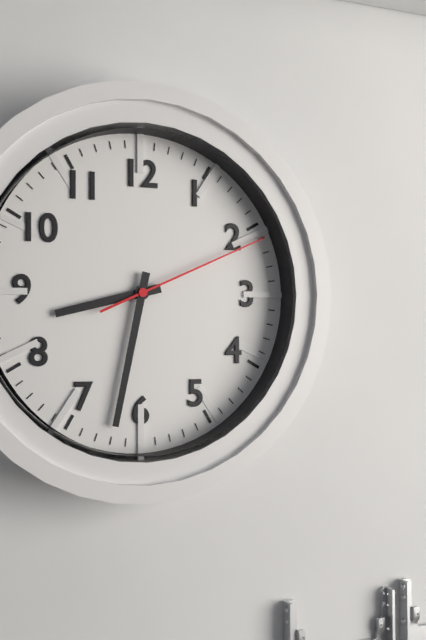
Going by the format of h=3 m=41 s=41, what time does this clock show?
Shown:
h=8 m=32 s=11
